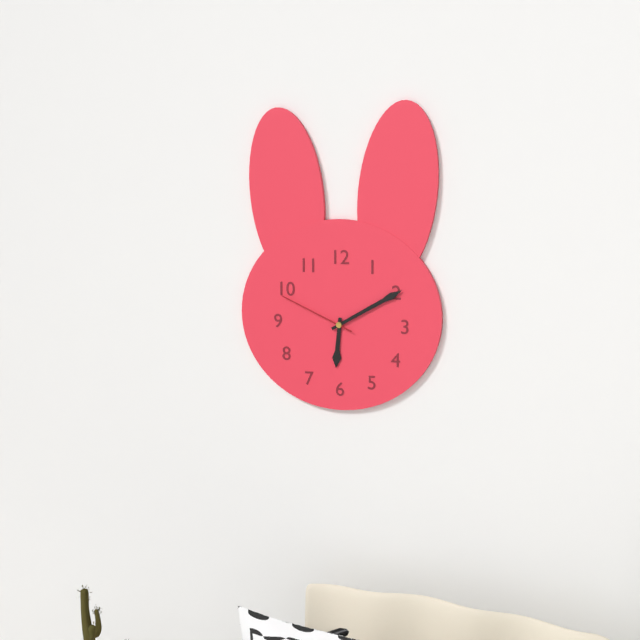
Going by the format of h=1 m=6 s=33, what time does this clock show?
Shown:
h=6 m=10 s=49
